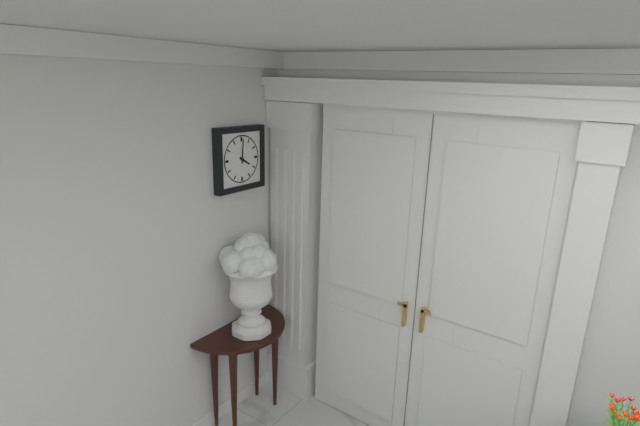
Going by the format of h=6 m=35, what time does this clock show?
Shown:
h=4 m=1
